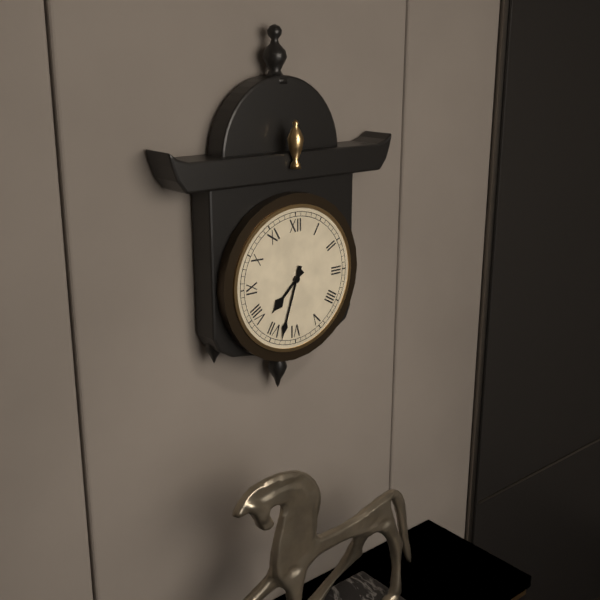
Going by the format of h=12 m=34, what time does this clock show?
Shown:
h=7 m=33
